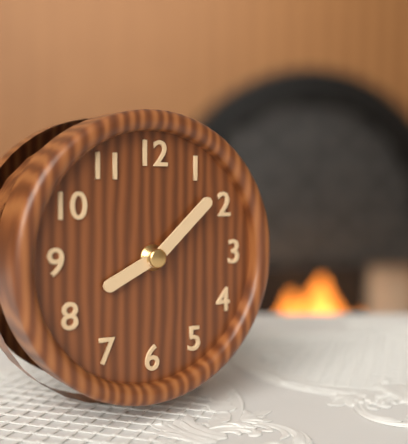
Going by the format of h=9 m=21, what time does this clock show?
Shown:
h=8 m=8
